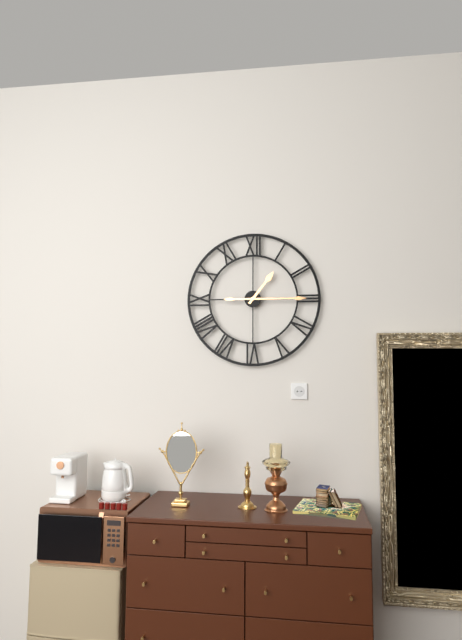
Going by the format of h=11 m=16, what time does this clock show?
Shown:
h=1 m=15
